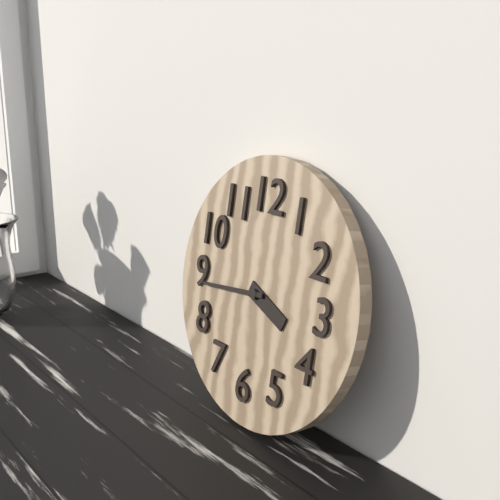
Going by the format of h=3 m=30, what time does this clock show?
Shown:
h=3 m=44
